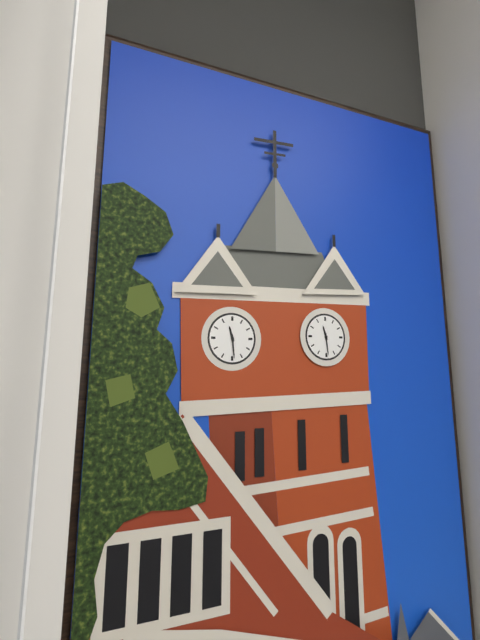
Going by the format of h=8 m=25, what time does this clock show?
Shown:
h=11 m=29
